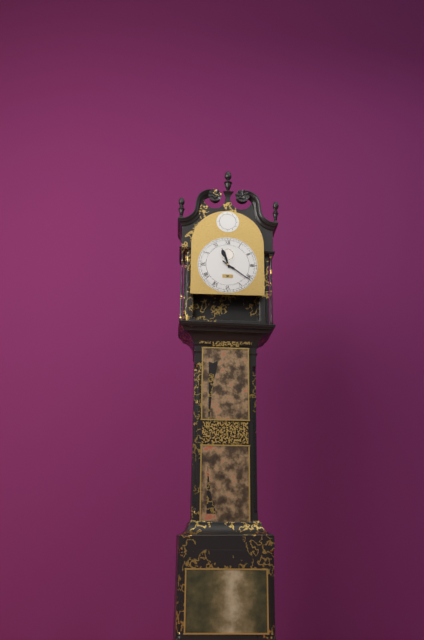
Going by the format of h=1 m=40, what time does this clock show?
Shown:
h=11 m=21
